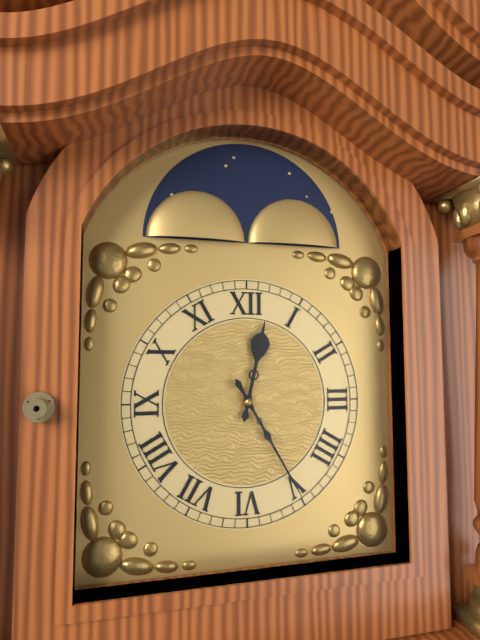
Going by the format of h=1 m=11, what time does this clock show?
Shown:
h=12 m=25
